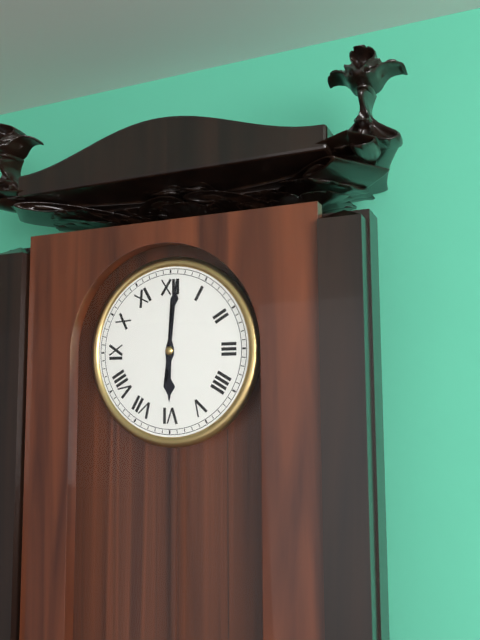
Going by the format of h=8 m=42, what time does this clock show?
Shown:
h=6 m=1
